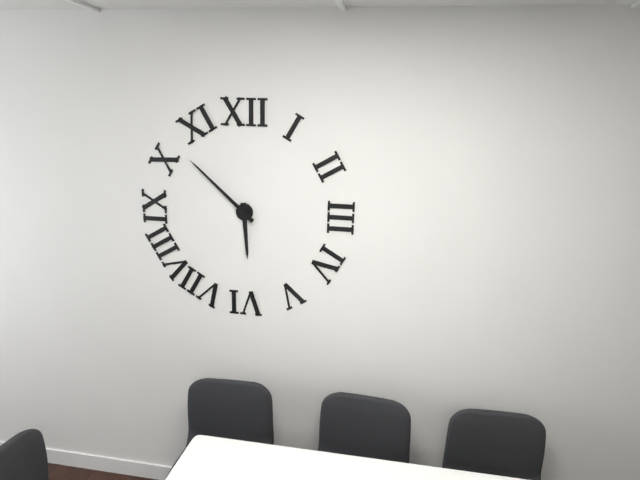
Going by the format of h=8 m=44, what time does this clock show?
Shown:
h=5 m=52
